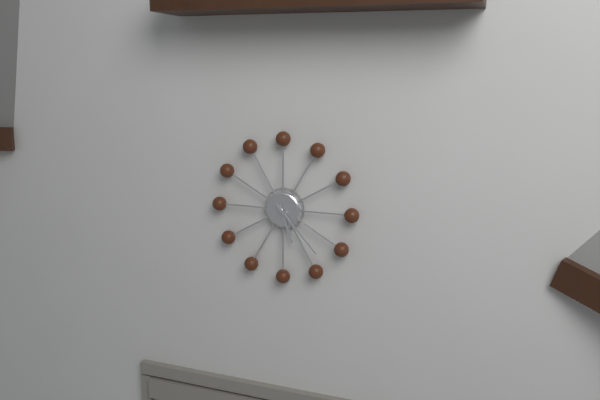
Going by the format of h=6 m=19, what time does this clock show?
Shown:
h=5 m=23
